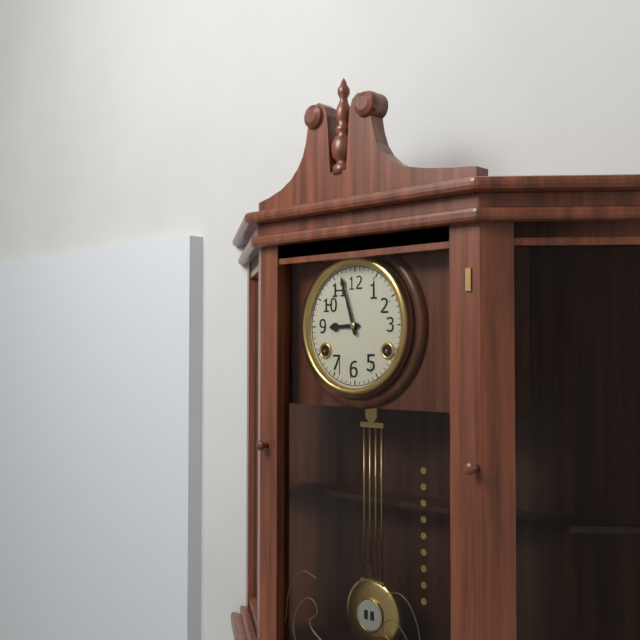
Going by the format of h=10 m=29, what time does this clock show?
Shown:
h=8 m=57
